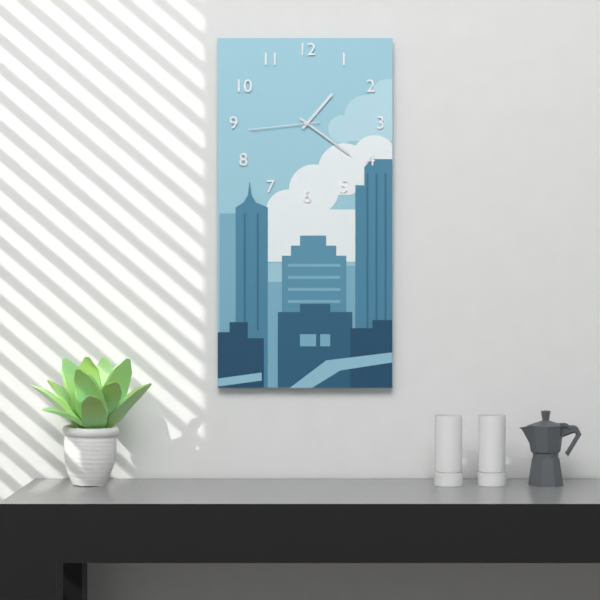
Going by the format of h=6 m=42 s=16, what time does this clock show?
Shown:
h=1 m=21 s=44
